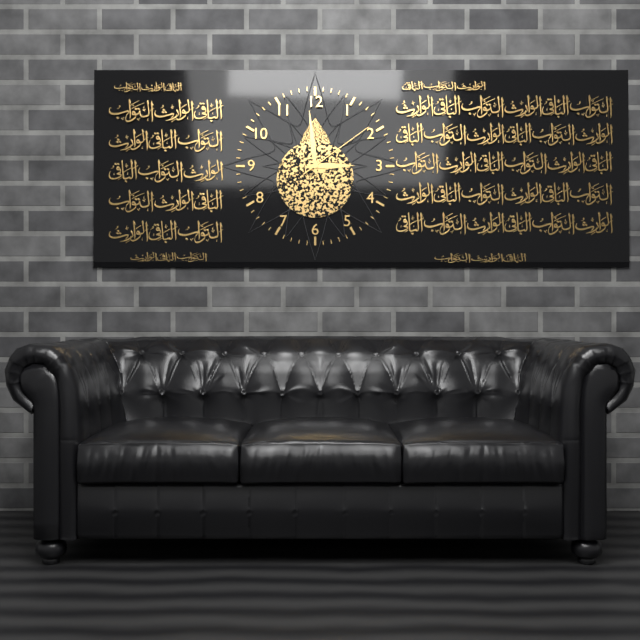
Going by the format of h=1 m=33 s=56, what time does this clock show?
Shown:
h=2 m=59 s=9
